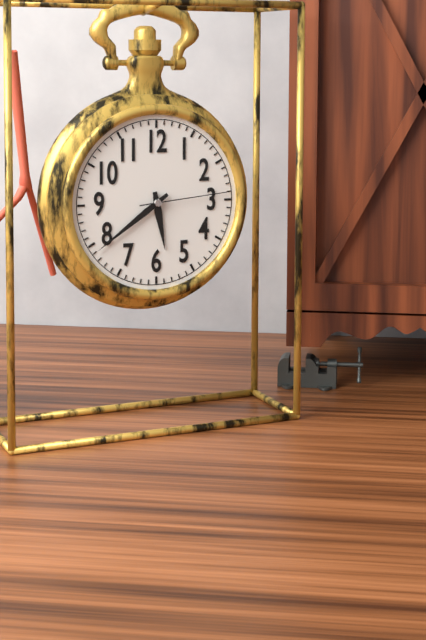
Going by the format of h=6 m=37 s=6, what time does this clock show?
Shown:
h=5 m=39 s=14
